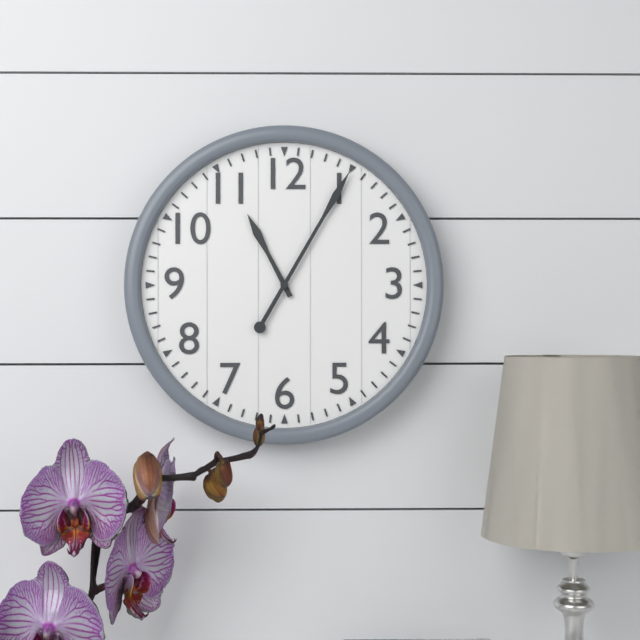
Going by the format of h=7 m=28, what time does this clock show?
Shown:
h=11 m=5
